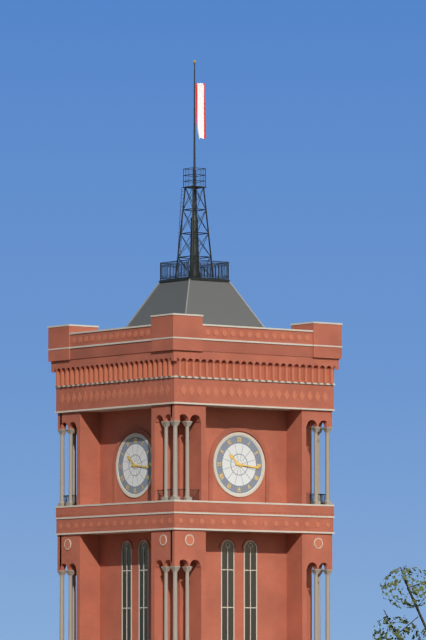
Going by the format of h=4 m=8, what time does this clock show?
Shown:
h=10 m=16
